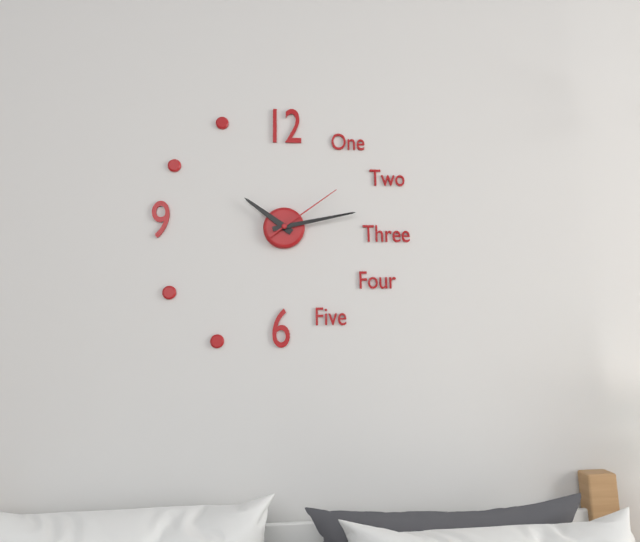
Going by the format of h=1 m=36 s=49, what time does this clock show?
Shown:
h=10 m=13 s=9
